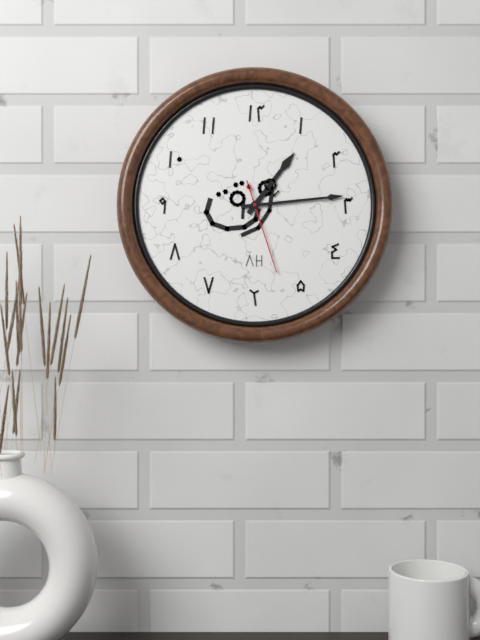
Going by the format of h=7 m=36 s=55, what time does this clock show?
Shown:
h=1 m=14 s=27
